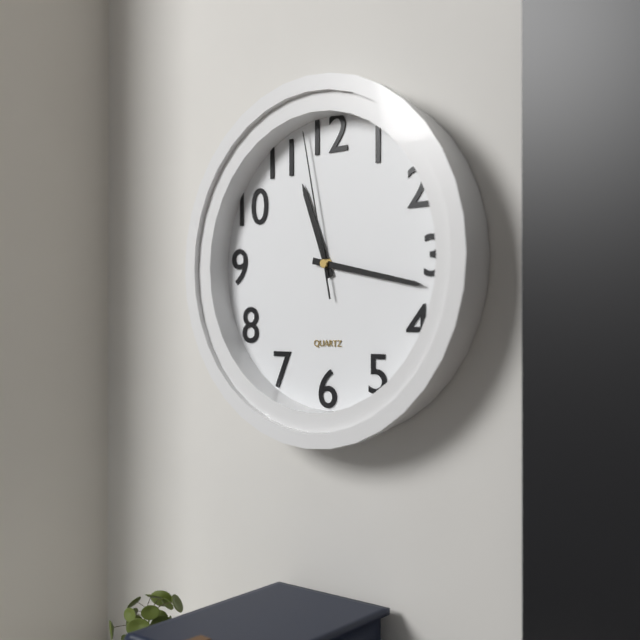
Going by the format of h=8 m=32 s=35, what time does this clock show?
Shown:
h=11 m=17 s=58
